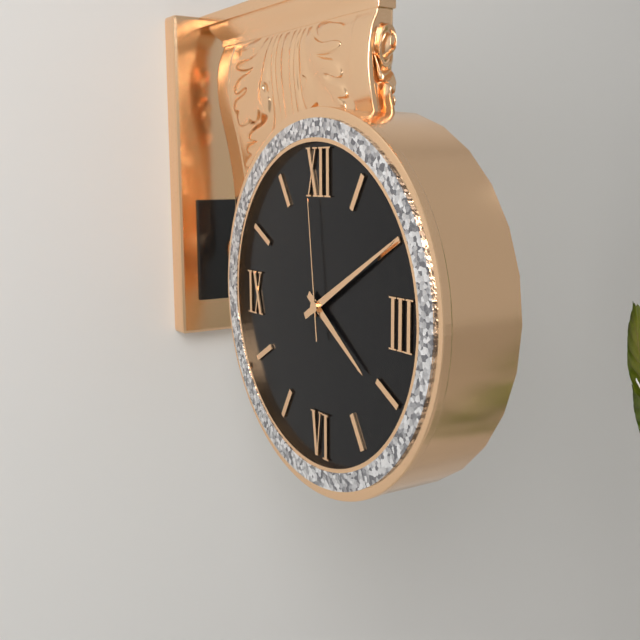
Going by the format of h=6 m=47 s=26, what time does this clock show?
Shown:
h=4 m=10 s=59
